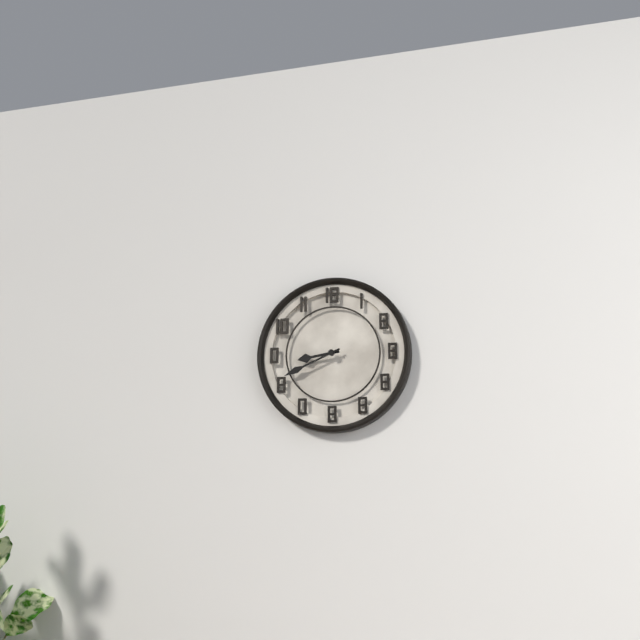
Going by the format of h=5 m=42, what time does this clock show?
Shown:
h=8 m=41
